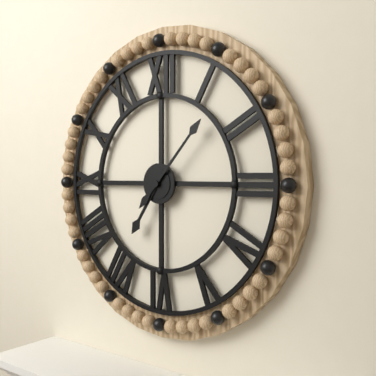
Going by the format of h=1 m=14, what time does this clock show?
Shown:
h=7 m=7
